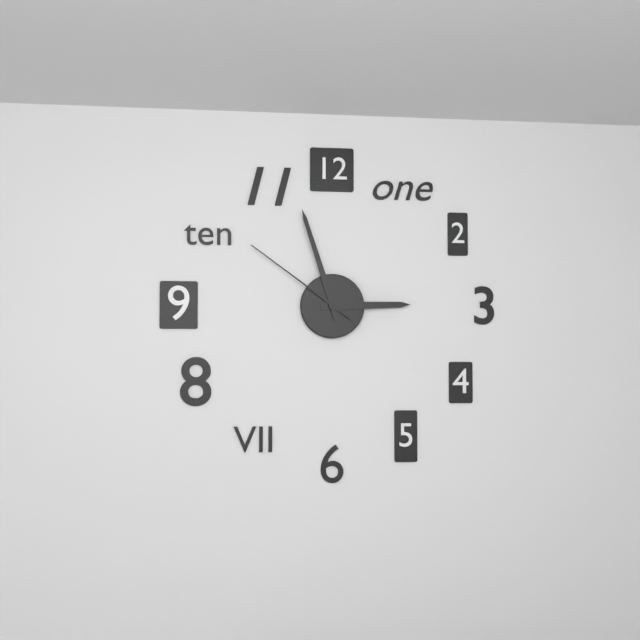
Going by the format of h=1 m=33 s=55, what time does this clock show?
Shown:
h=2 m=57 s=51
